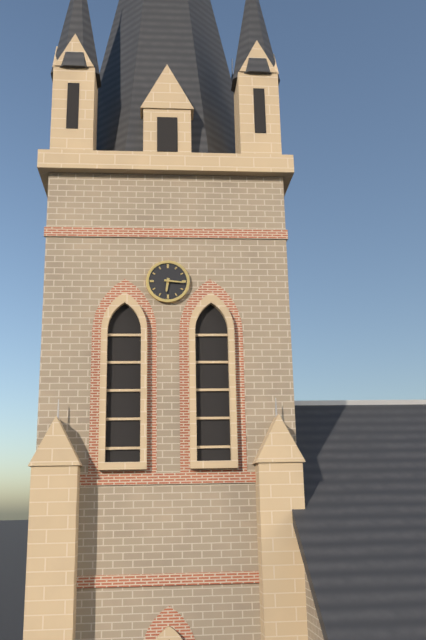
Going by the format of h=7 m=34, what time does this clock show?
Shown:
h=6 m=16
